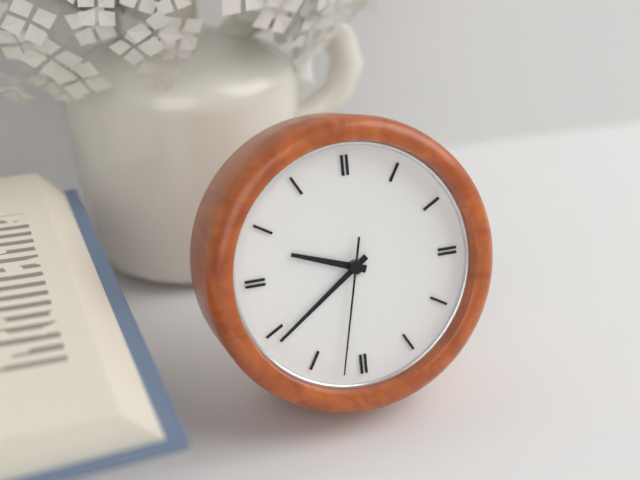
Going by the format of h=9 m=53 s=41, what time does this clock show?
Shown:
h=9 m=39 s=32
